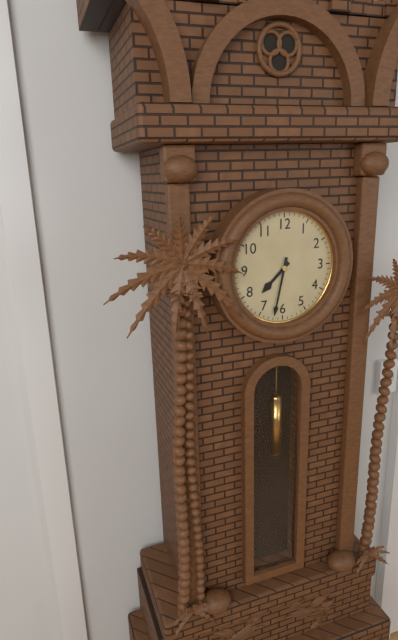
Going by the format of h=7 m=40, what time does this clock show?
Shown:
h=7 m=32
